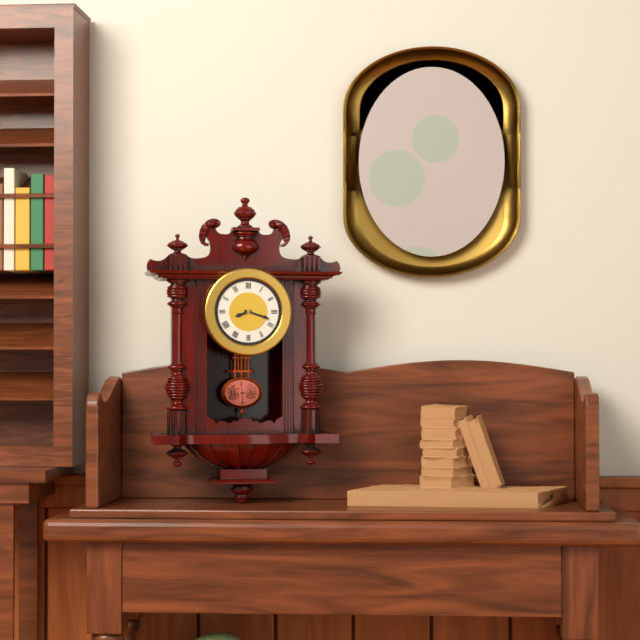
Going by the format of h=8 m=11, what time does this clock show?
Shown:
h=8 m=18
